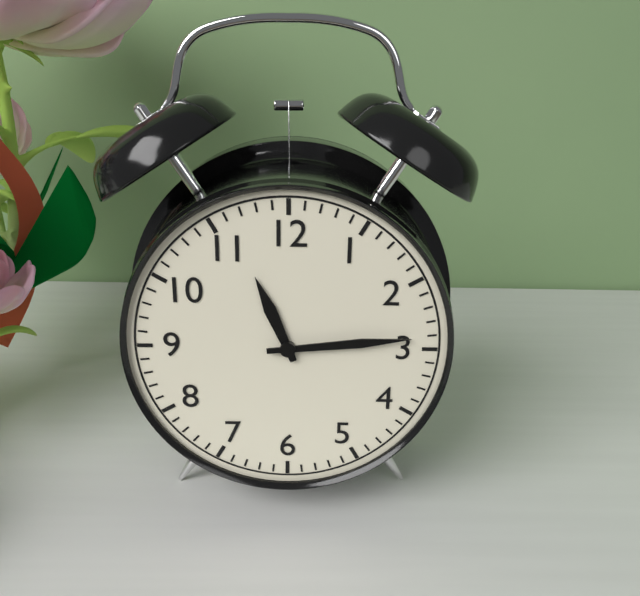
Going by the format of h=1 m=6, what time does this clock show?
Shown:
h=11 m=14
